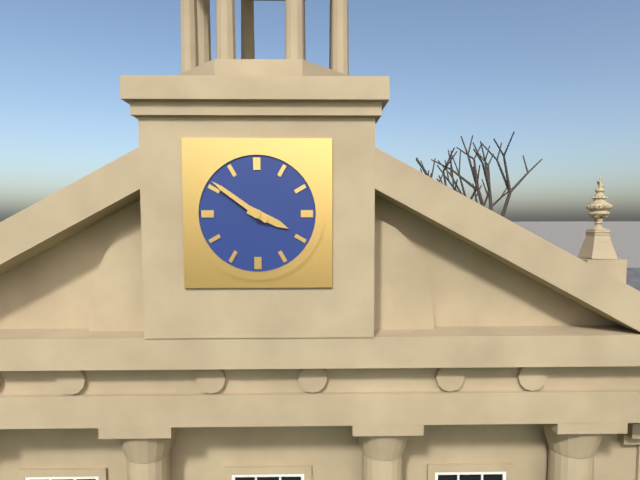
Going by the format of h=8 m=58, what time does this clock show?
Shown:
h=3 m=51
